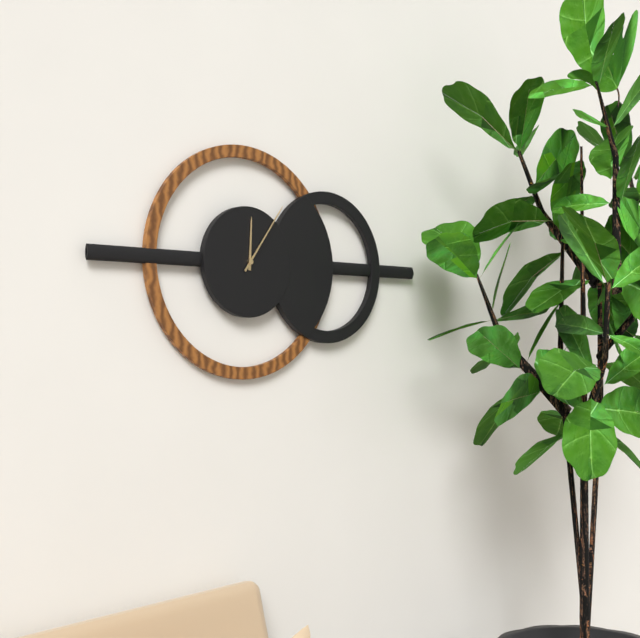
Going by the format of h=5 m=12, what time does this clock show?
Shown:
h=12 m=6
